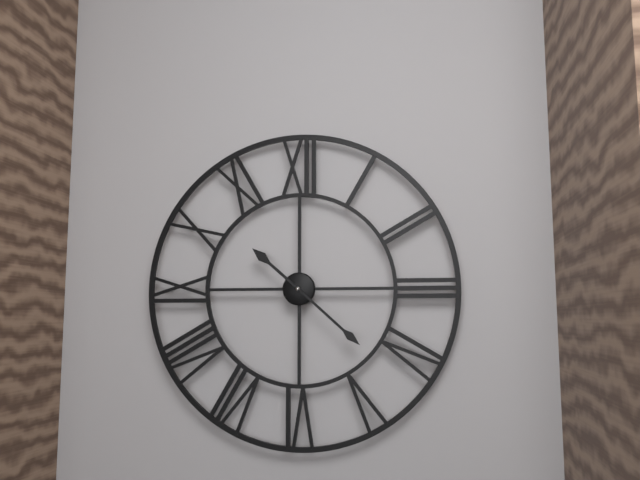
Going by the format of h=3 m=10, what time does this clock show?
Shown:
h=10 m=22
